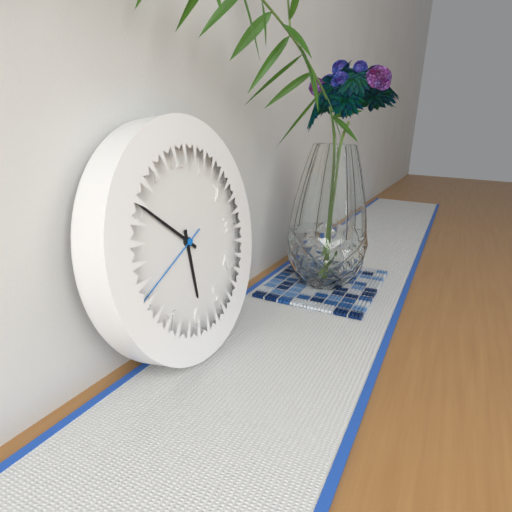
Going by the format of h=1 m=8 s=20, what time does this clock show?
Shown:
h=5 m=51 s=41
